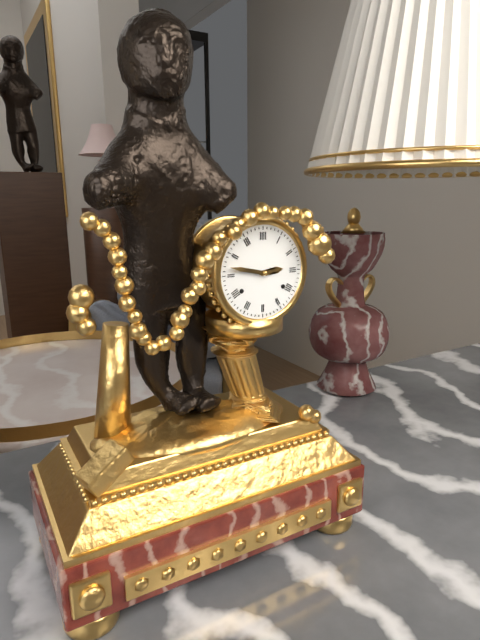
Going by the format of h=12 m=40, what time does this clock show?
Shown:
h=2 m=47
